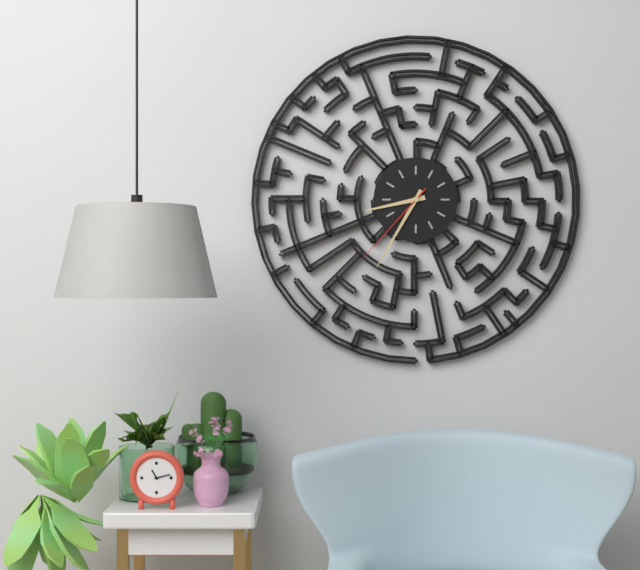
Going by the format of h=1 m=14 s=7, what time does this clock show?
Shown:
h=8 m=35 s=37
